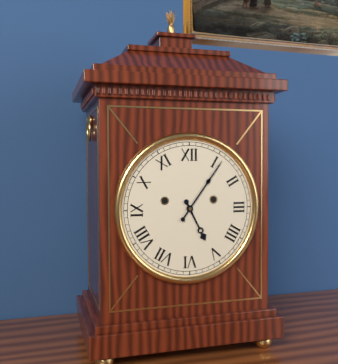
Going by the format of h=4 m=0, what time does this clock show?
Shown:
h=5 m=6
